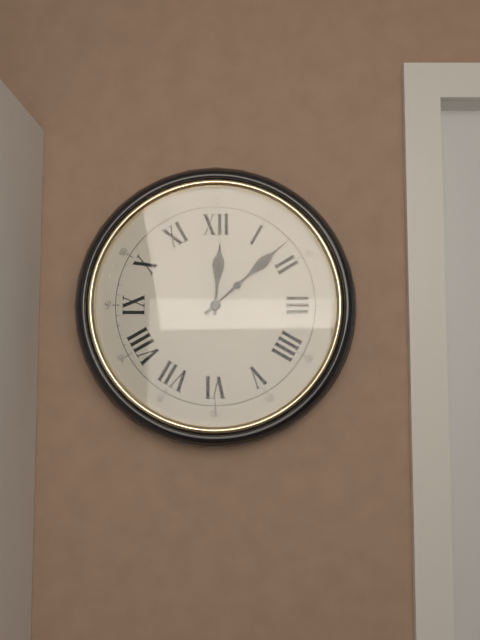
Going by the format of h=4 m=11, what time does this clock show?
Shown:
h=12 m=8
